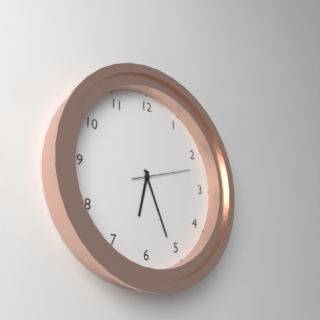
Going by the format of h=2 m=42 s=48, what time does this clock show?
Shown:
h=6 m=26 s=12
